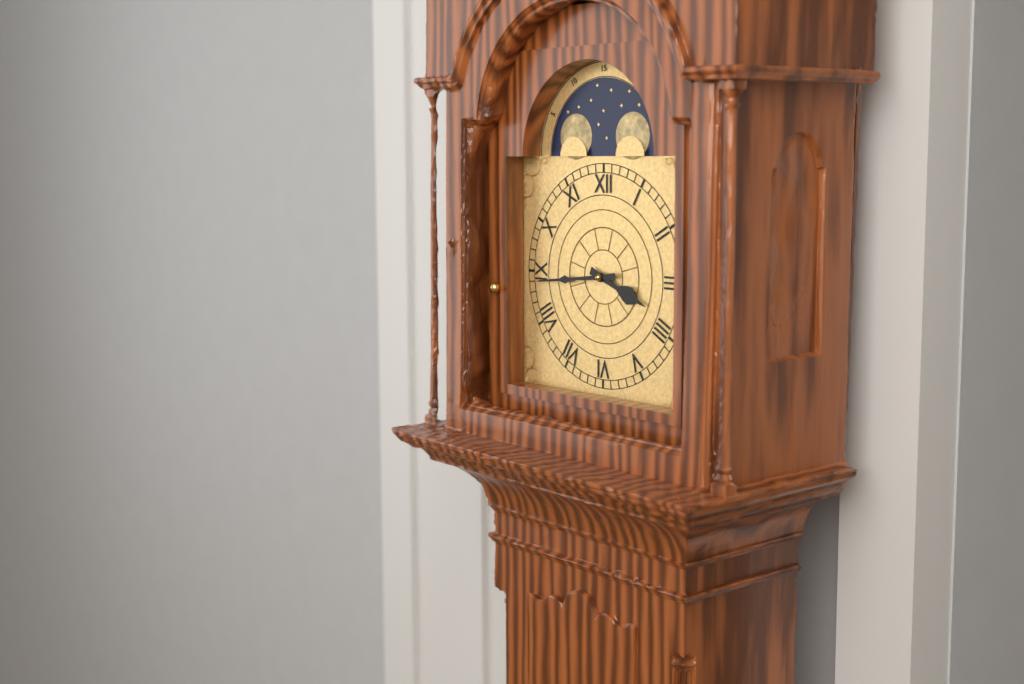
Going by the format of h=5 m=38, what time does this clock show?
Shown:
h=3 m=44
